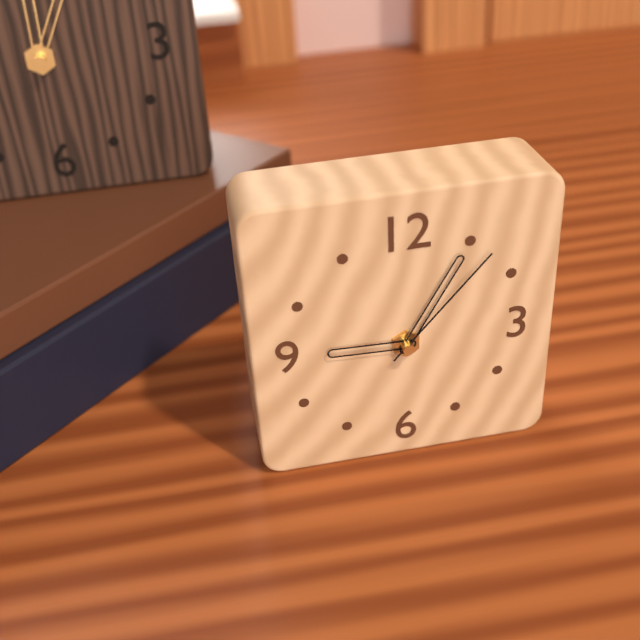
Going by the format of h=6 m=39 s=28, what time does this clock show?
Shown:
h=9 m=5 s=7
